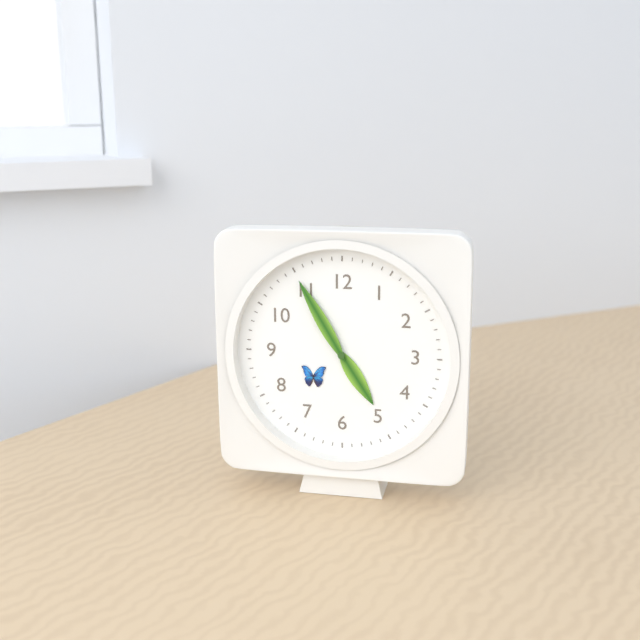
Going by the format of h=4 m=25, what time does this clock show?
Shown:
h=4 m=55
